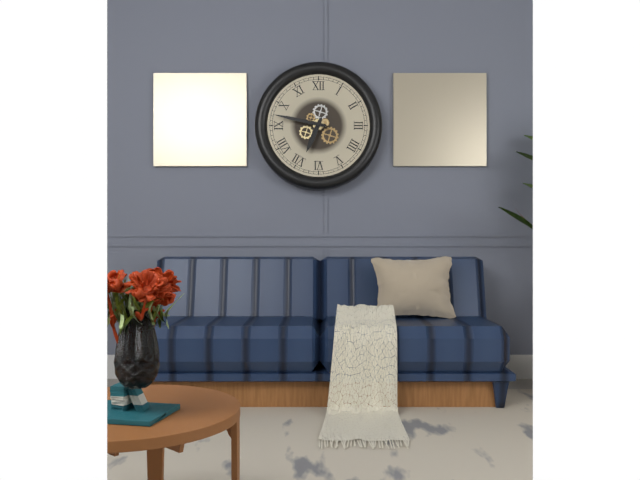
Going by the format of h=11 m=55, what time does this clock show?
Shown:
h=6 m=47
